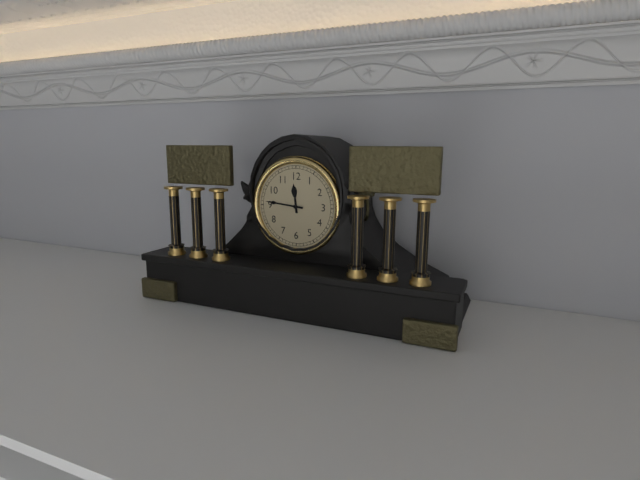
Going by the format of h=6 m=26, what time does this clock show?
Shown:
h=11 m=46
